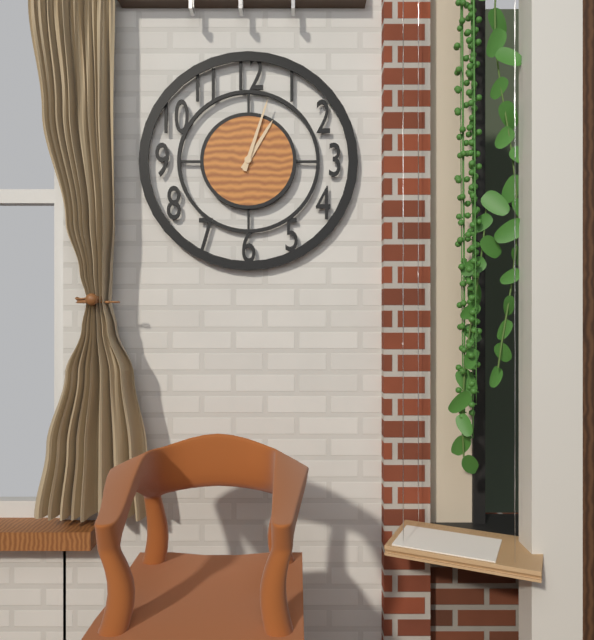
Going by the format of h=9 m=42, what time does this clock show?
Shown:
h=1 m=3
